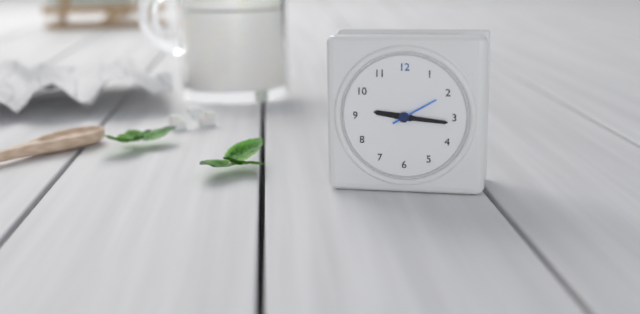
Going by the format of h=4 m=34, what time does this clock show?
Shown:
h=9 m=16
